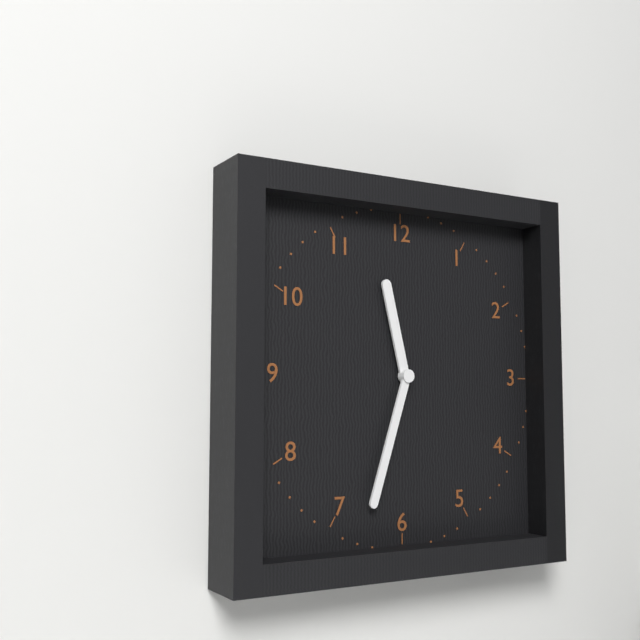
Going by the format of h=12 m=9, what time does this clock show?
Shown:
h=11 m=33
